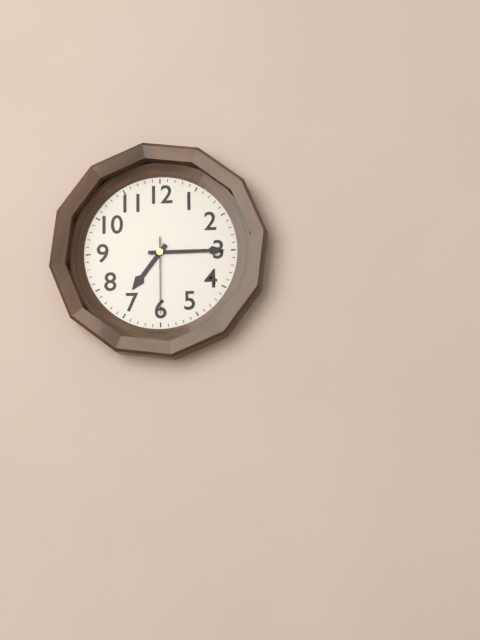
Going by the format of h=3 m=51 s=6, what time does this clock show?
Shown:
h=7 m=15 s=30
